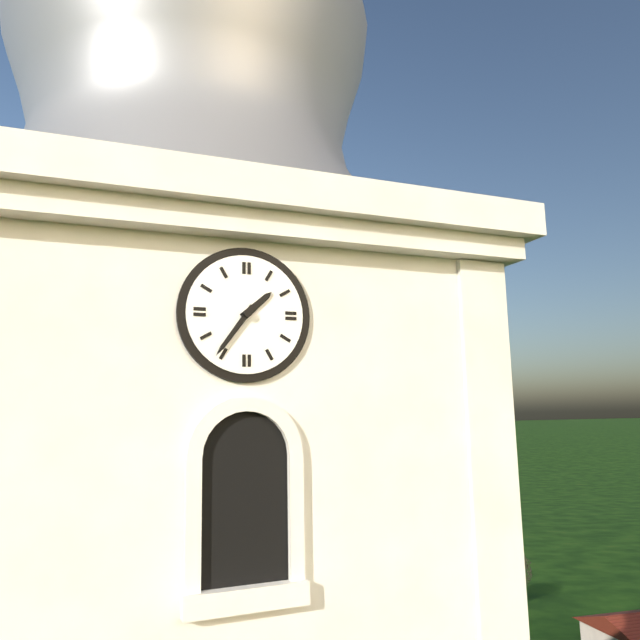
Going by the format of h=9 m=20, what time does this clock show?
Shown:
h=1 m=36
